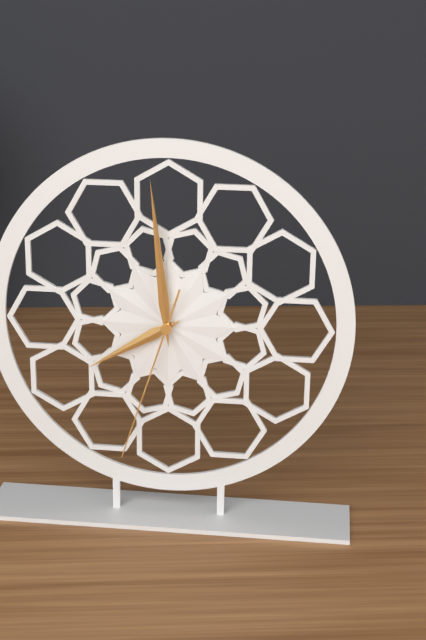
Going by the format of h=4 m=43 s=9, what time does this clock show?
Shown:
h=7 m=59 s=33
